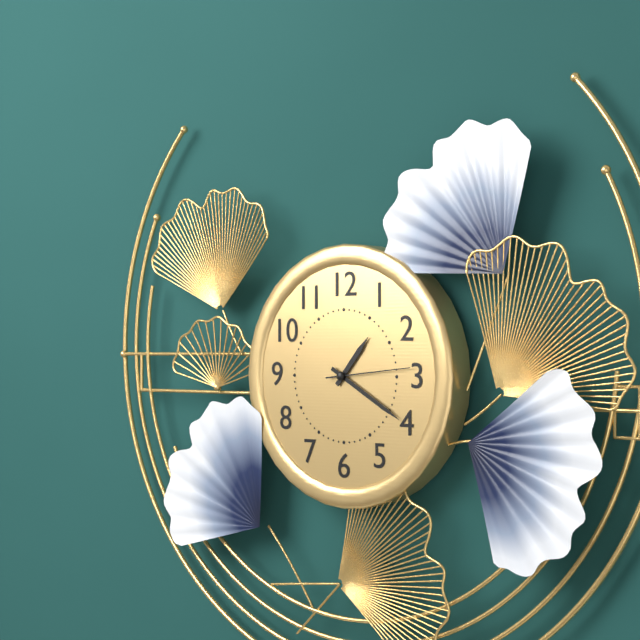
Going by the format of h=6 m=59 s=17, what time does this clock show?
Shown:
h=1 m=20 s=14
